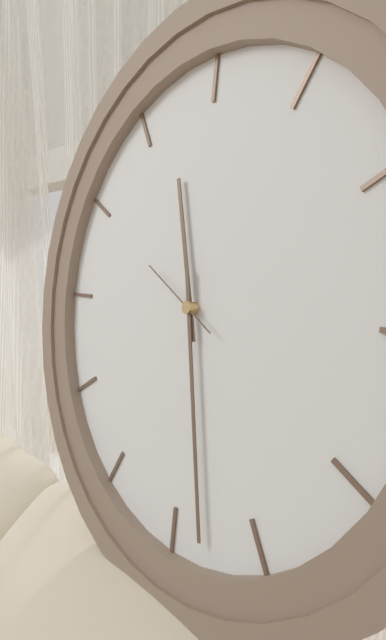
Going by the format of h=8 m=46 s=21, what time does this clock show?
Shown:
h=11 m=28 s=50
